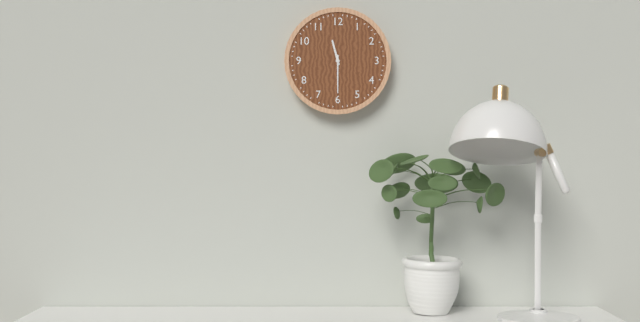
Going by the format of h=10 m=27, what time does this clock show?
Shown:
h=11 m=30
